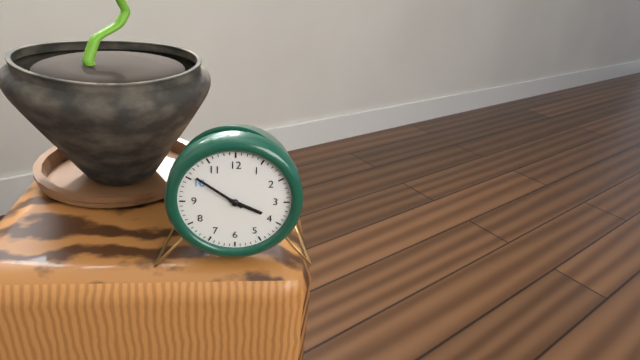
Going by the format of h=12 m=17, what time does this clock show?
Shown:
h=3 m=51
